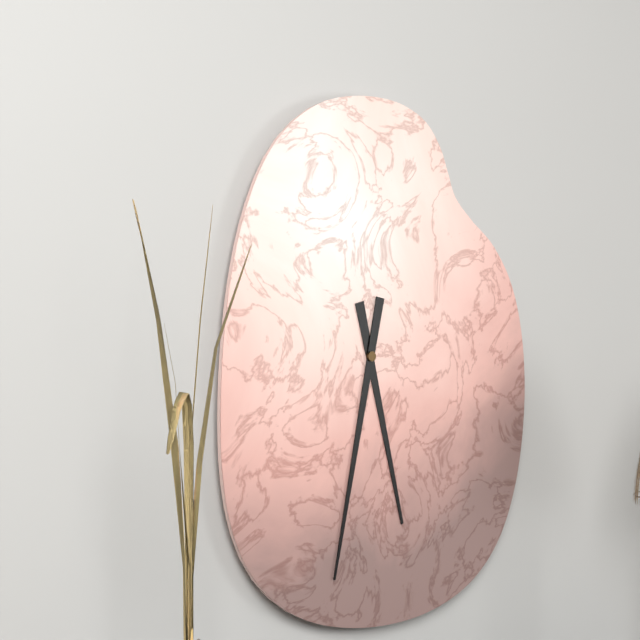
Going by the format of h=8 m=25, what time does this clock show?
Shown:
h=5 m=32
